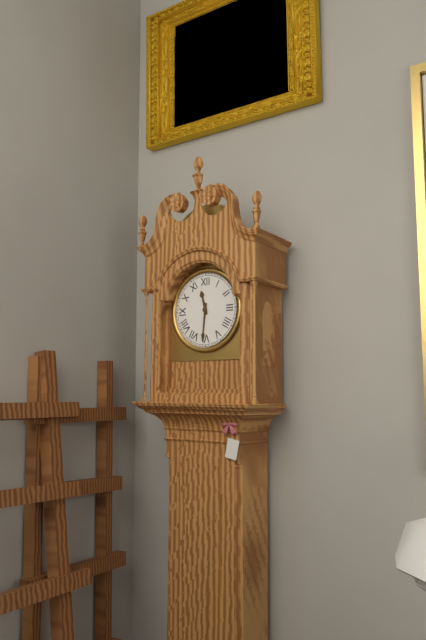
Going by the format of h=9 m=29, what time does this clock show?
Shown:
h=11 m=31
